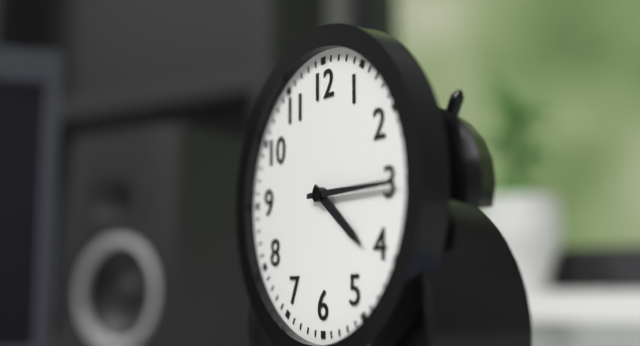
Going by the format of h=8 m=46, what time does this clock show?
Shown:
h=4 m=15
